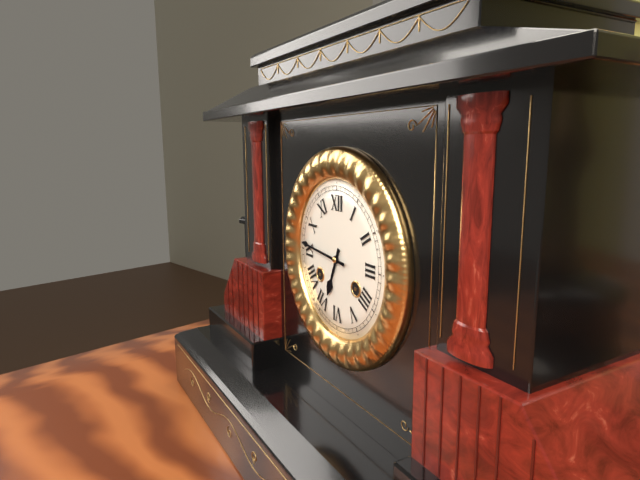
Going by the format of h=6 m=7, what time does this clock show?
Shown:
h=6 m=46
